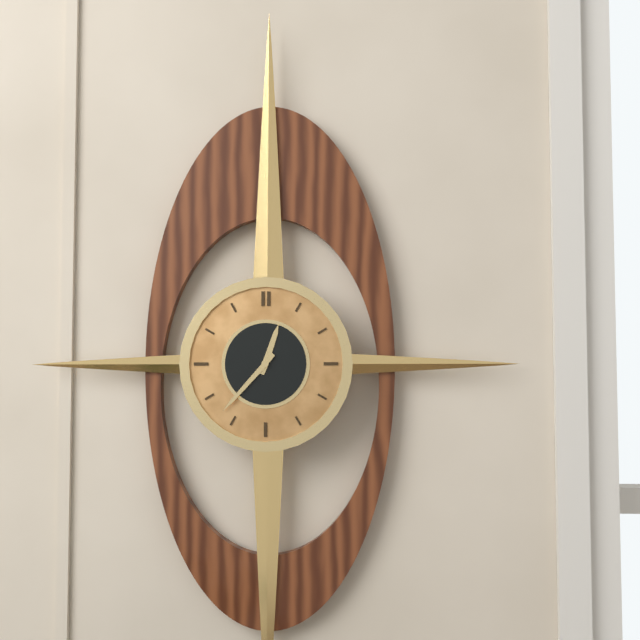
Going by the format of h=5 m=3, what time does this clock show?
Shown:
h=12 m=37
